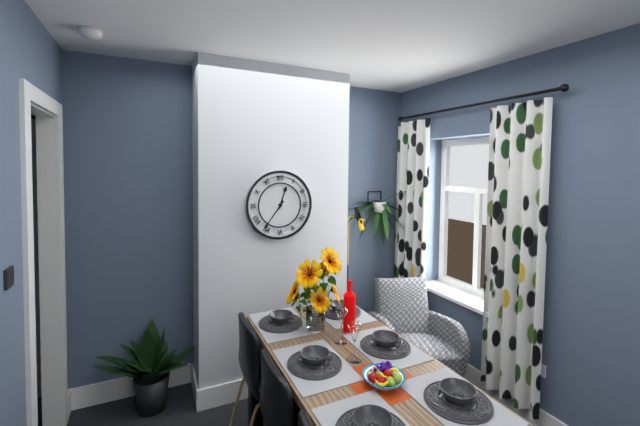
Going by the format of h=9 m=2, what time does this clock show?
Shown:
h=12 m=36
